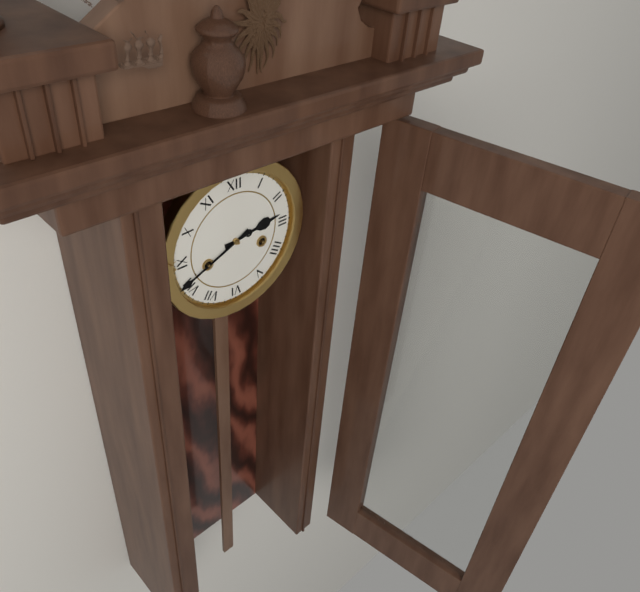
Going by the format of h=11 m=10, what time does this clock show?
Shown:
h=2 m=41
